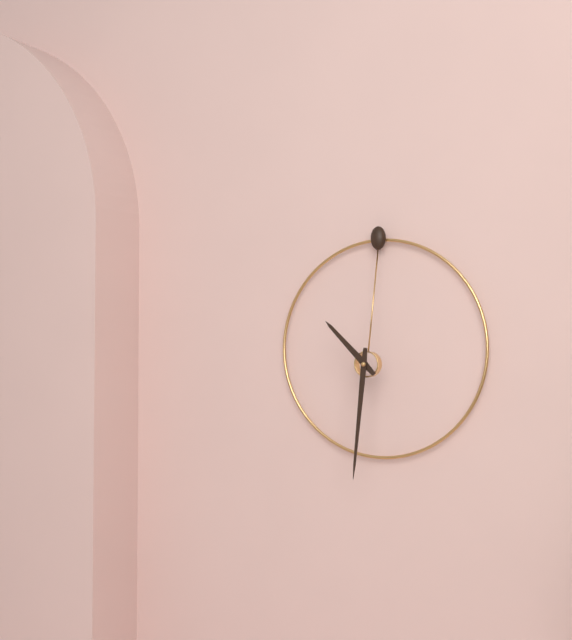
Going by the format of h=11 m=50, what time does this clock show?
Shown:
h=10 m=31
